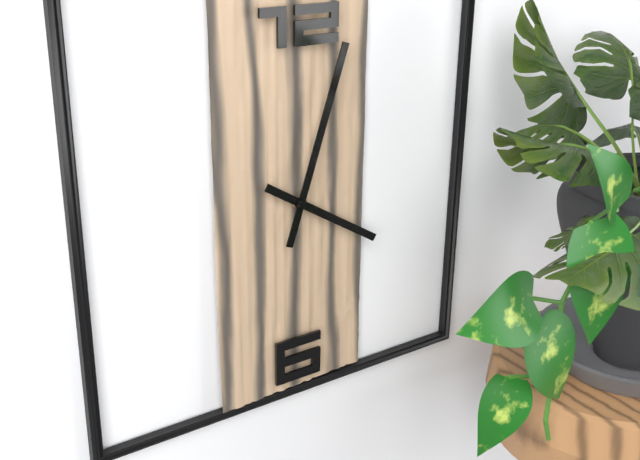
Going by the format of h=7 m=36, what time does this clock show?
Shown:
h=4 m=3
